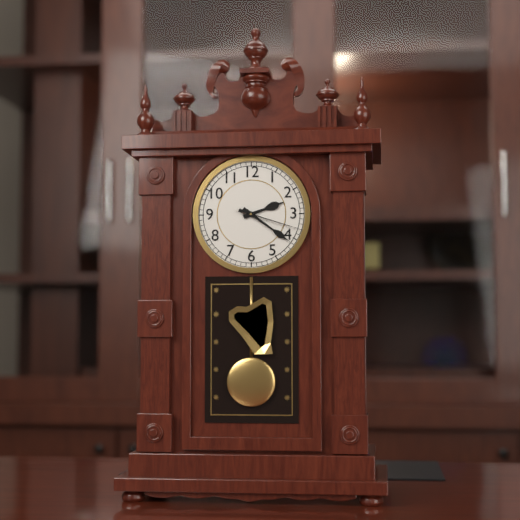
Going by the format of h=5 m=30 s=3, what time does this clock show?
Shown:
h=2 m=21 s=18
